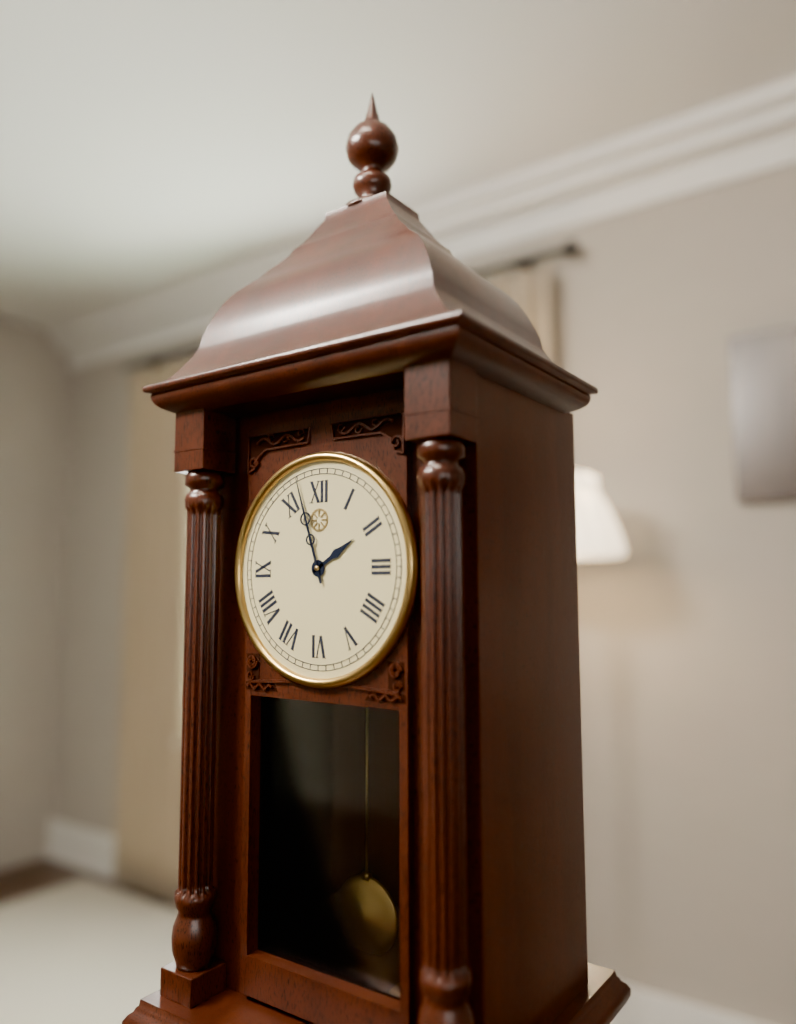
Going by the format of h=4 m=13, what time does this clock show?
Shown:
h=1 m=57
